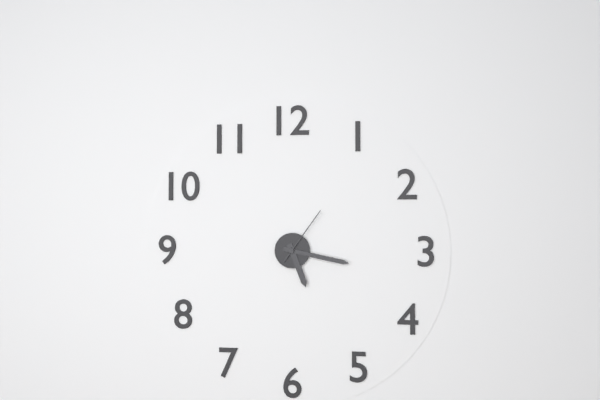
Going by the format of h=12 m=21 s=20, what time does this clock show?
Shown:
h=5 m=17 s=6
